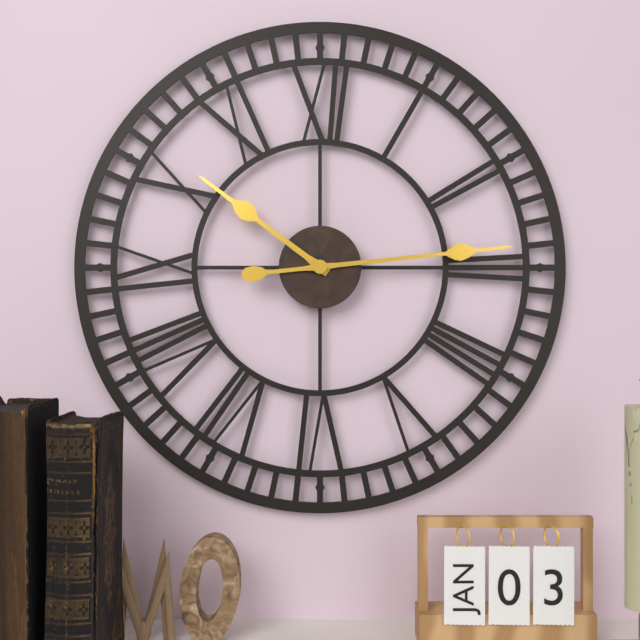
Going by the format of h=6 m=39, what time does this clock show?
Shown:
h=10 m=14
